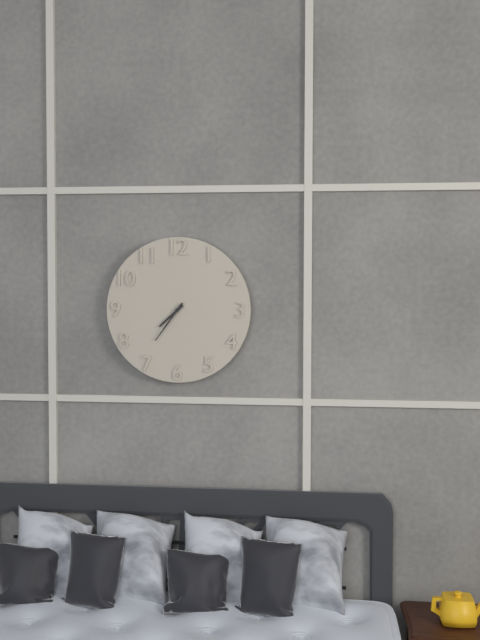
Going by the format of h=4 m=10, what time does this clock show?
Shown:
h=7 m=36
